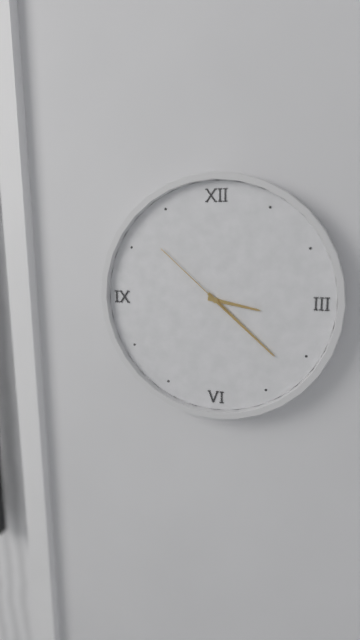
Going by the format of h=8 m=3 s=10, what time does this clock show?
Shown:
h=3 m=22 s=52
